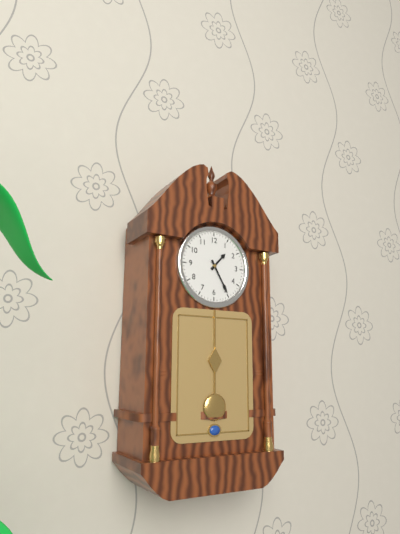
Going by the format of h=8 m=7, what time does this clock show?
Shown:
h=1 m=25
